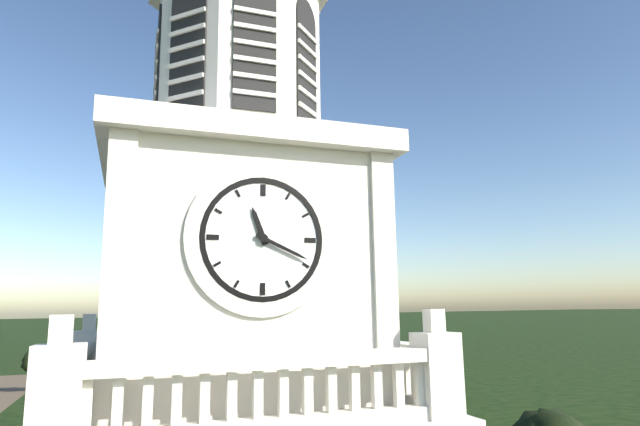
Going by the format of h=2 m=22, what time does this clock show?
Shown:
h=11 m=19
